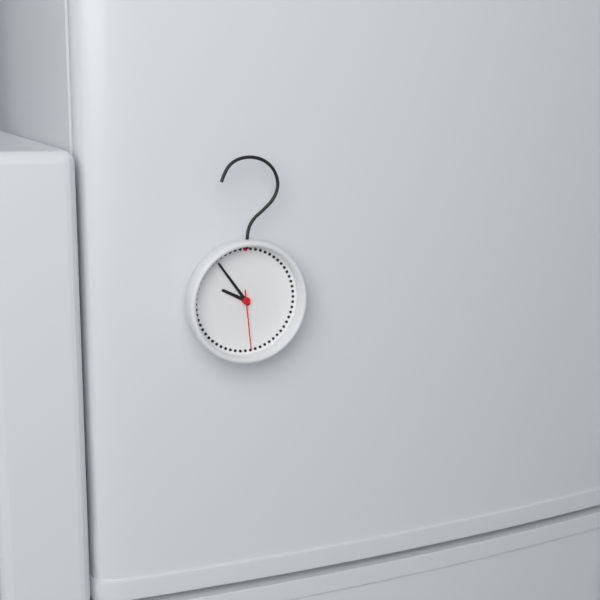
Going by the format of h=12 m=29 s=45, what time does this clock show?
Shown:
h=9 m=54 s=29
